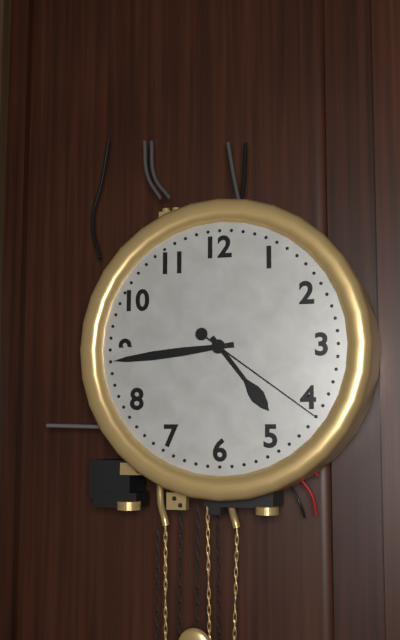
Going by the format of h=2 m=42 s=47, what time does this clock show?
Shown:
h=4 m=44 s=21
